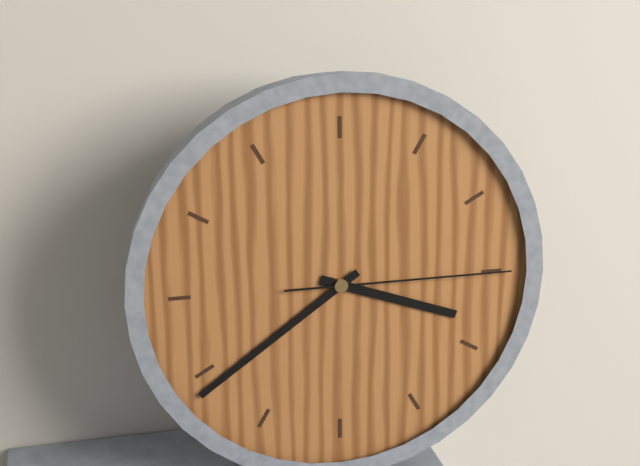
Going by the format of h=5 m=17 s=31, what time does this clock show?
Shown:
h=3 m=39 s=15
